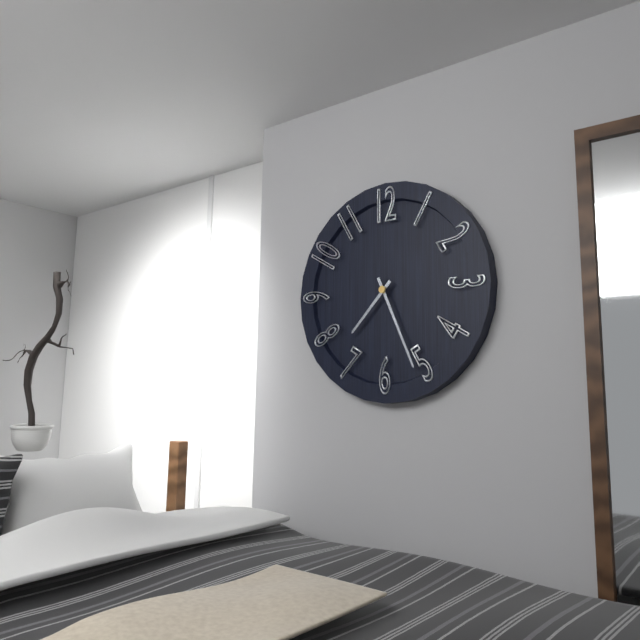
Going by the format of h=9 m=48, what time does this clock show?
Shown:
h=7 m=26
